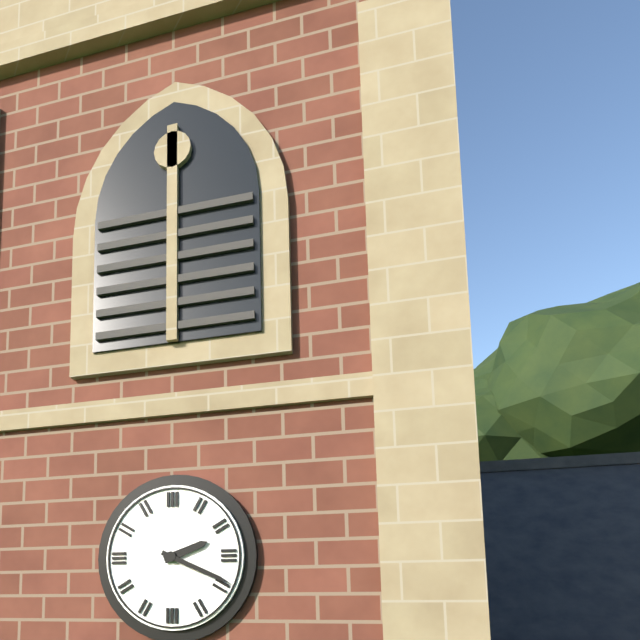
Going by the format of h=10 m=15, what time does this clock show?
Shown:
h=2 m=19
